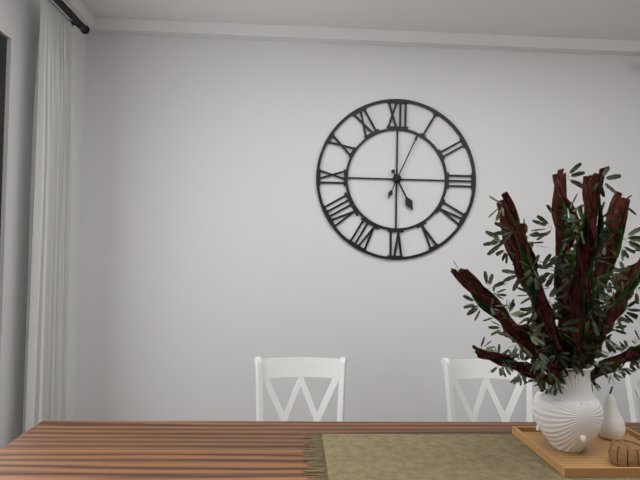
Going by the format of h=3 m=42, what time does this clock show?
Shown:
h=5 m=4
